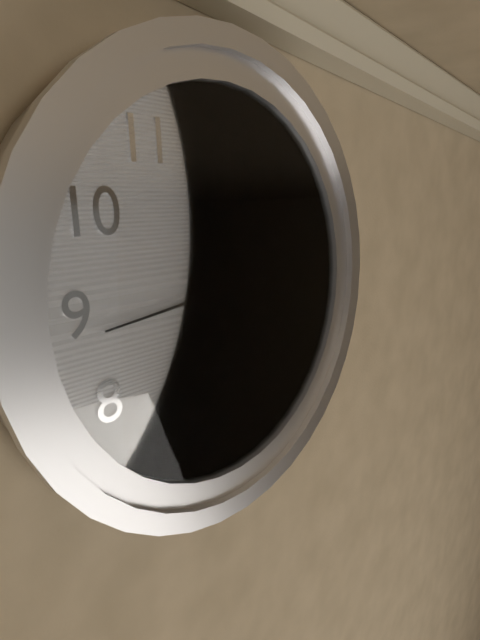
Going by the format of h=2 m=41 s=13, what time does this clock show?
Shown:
h=4 m=15 s=44
